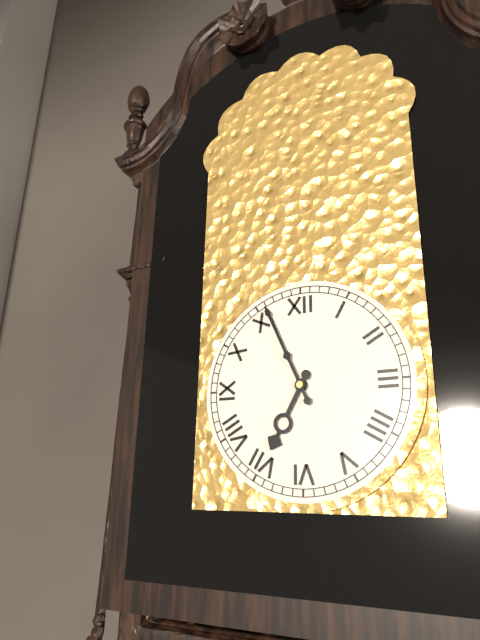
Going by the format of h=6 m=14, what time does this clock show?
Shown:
h=6 m=56
